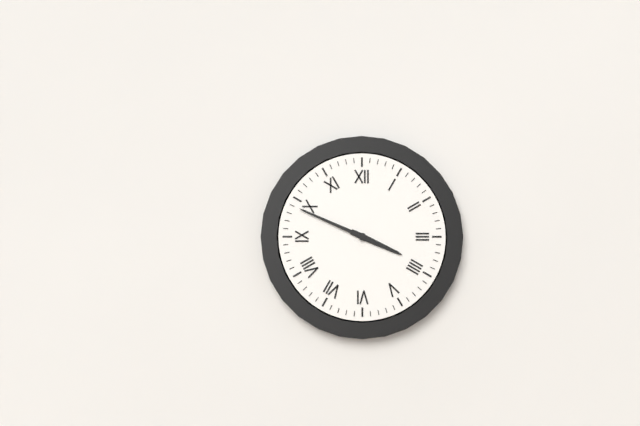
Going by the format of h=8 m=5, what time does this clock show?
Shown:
h=3 m=49
